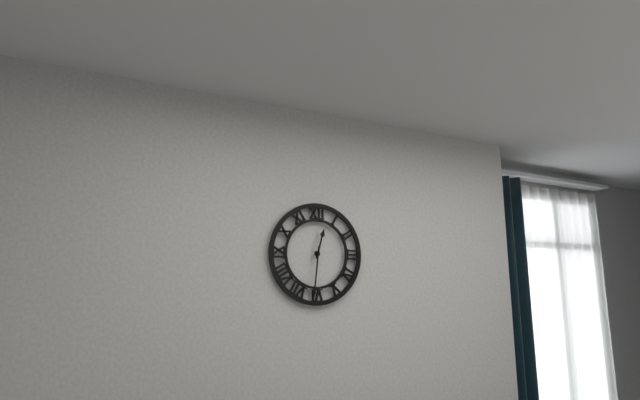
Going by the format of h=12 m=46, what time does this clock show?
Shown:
h=12 m=31
